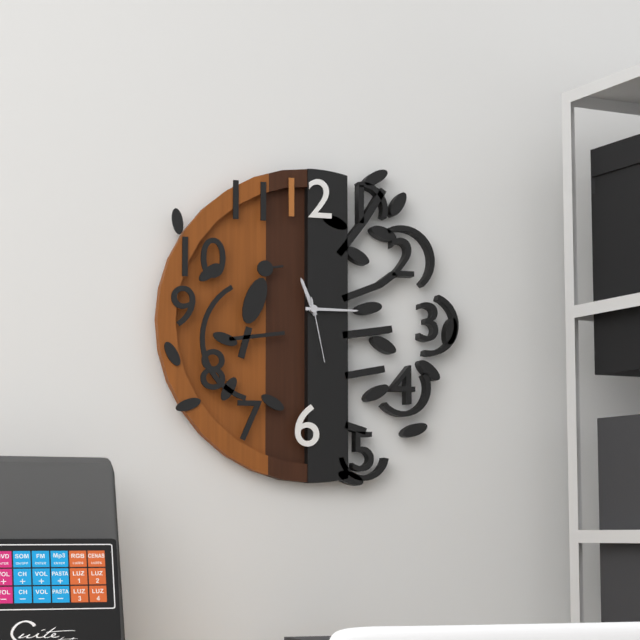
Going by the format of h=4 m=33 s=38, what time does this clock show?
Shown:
h=11 m=15 s=28
